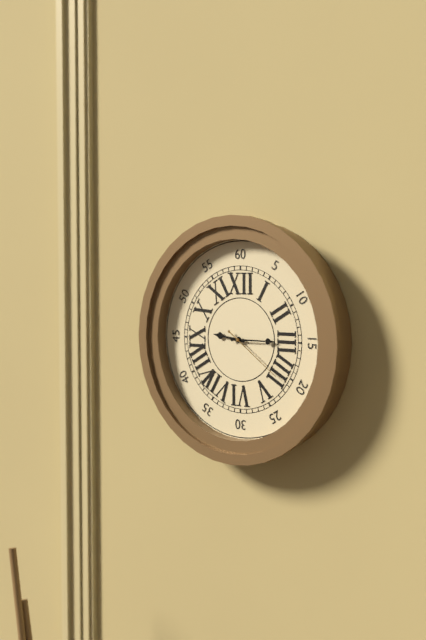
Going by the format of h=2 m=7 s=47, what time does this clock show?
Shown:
h=9 m=15 s=21
